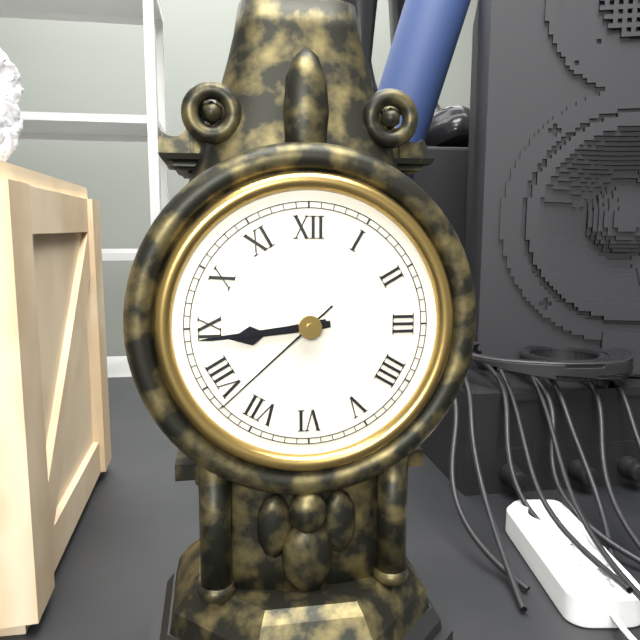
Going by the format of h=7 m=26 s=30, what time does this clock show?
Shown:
h=8 m=44 s=38
